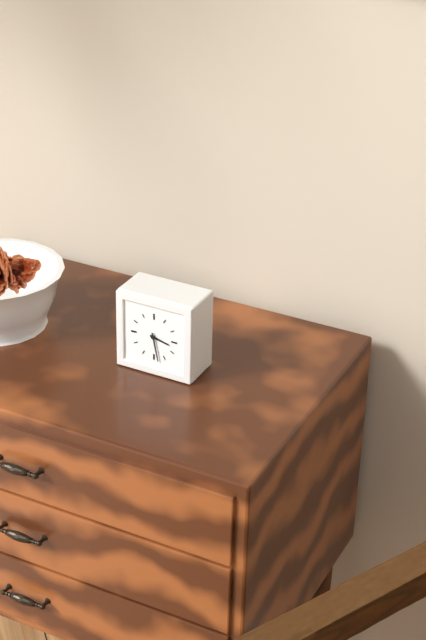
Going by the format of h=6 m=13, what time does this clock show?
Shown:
h=3 m=28
